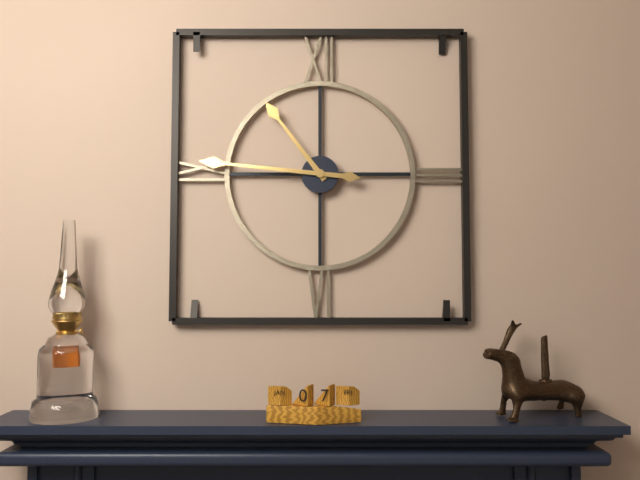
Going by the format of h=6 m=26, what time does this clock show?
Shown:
h=10 m=46
